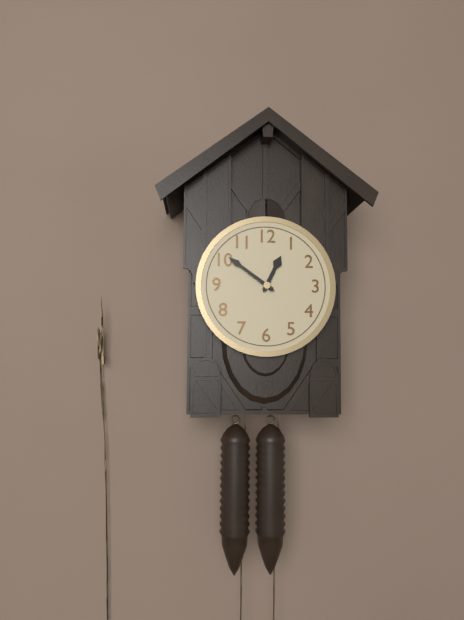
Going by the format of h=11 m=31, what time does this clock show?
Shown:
h=12 m=51
